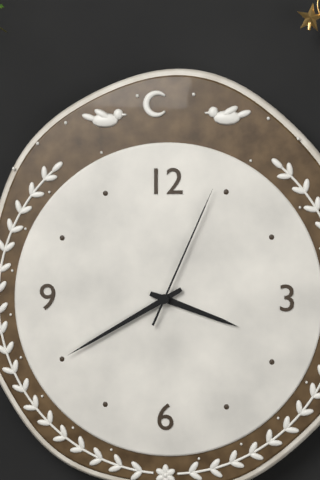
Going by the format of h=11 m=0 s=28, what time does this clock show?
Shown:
h=3 m=40 s=4
